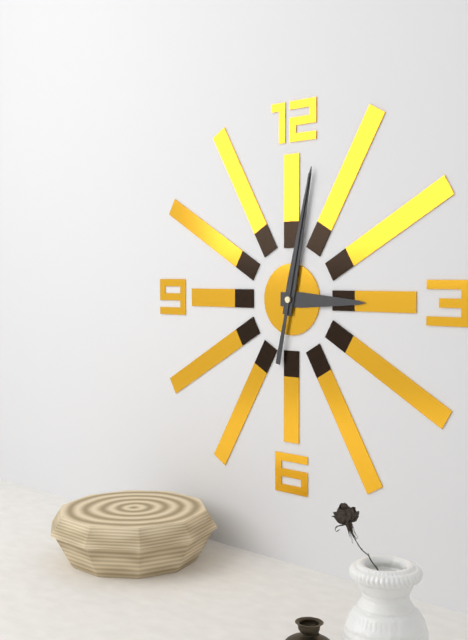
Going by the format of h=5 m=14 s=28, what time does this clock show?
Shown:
h=3 m=2 s=2
